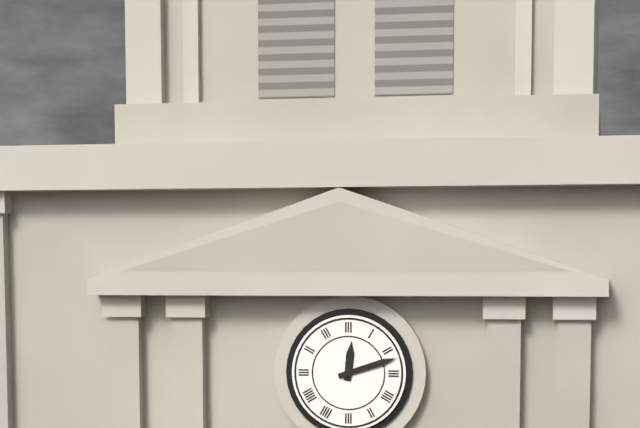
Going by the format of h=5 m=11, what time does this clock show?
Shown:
h=12 m=12
